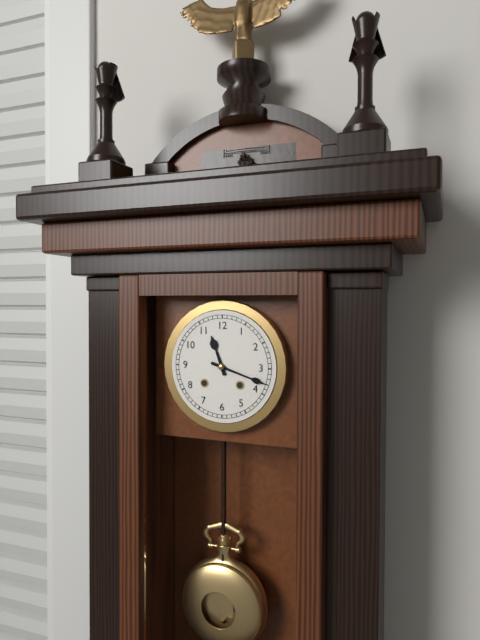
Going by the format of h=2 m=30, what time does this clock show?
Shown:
h=11 m=18
